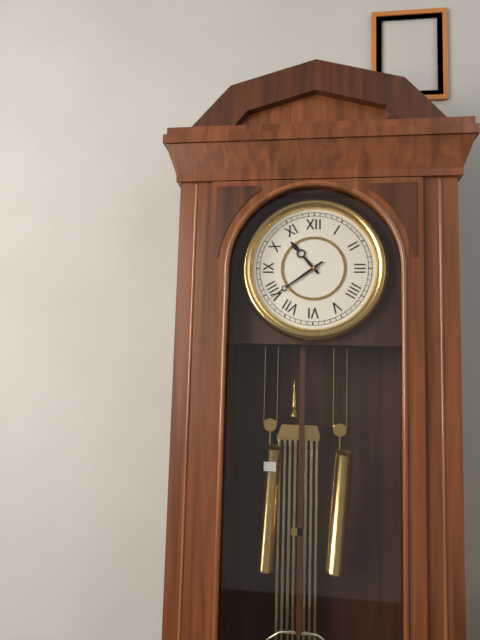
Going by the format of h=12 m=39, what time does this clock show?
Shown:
h=10 m=39
